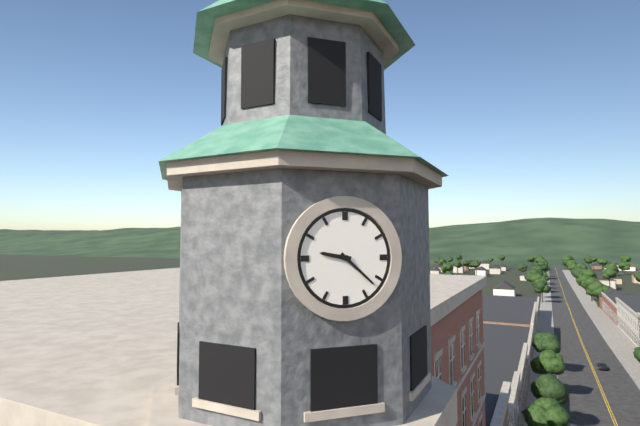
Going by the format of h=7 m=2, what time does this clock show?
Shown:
h=9 m=22
